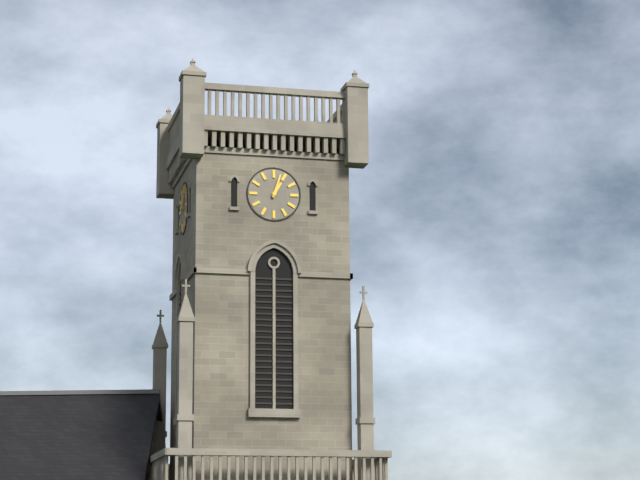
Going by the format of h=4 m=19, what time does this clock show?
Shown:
h=1 m=3
